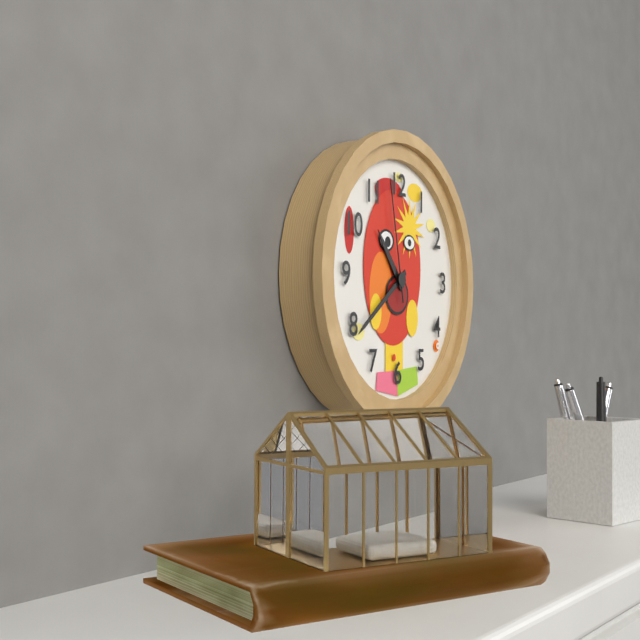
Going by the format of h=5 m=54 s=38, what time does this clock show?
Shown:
h=10 m=39 s=58
